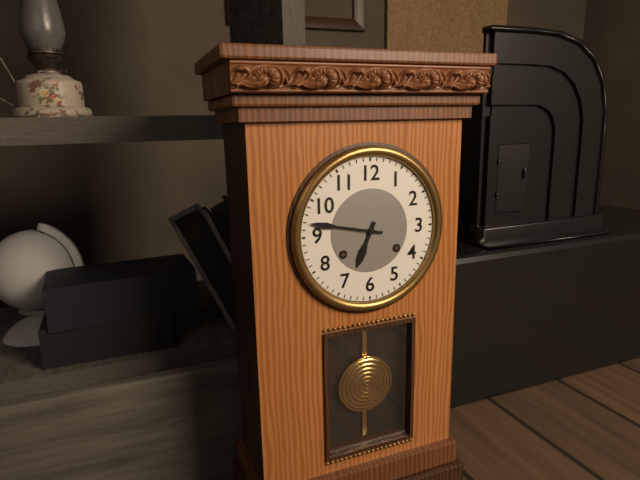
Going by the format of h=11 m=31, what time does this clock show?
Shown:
h=6 m=47
